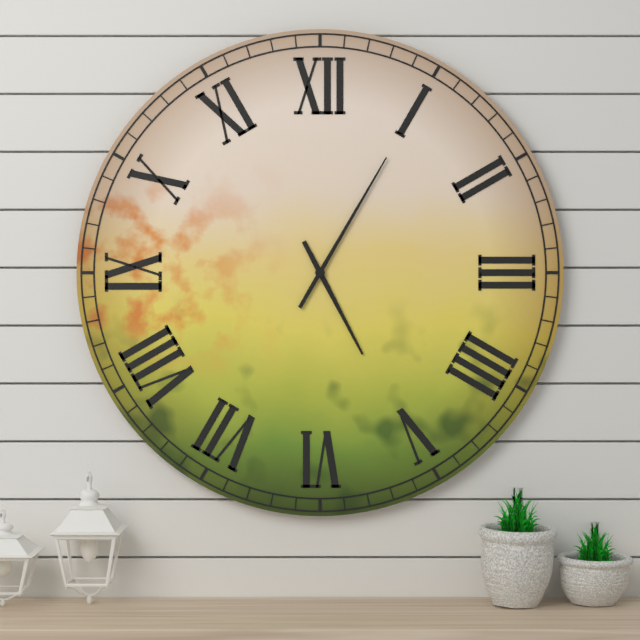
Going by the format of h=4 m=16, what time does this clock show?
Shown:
h=5 m=5
